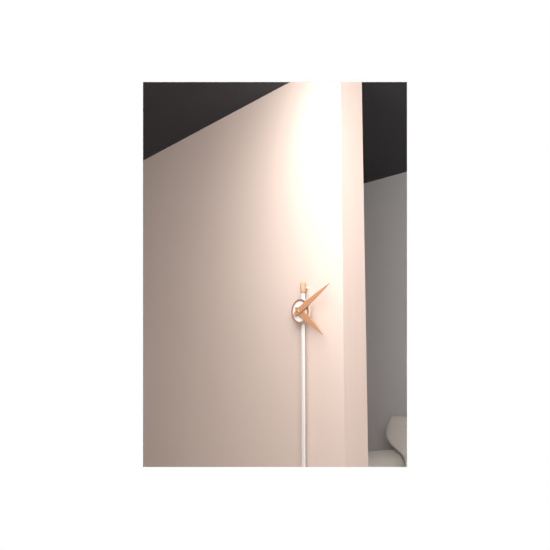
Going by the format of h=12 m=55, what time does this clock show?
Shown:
h=4 m=10
